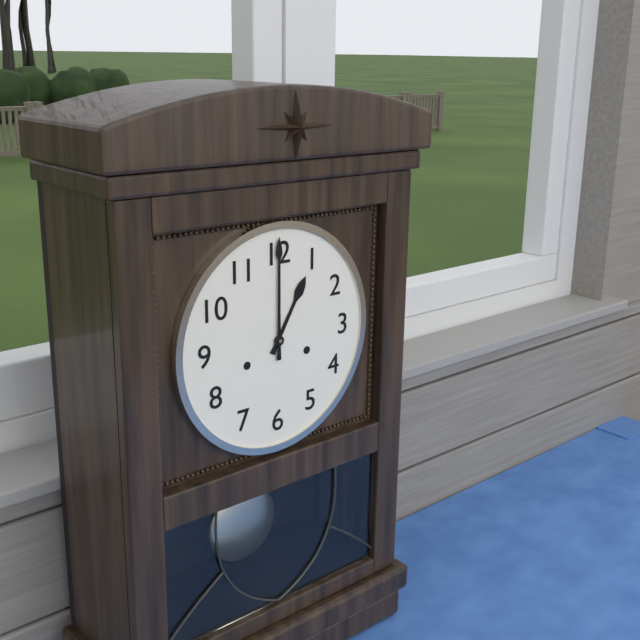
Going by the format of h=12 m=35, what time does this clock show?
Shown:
h=1 m=0
